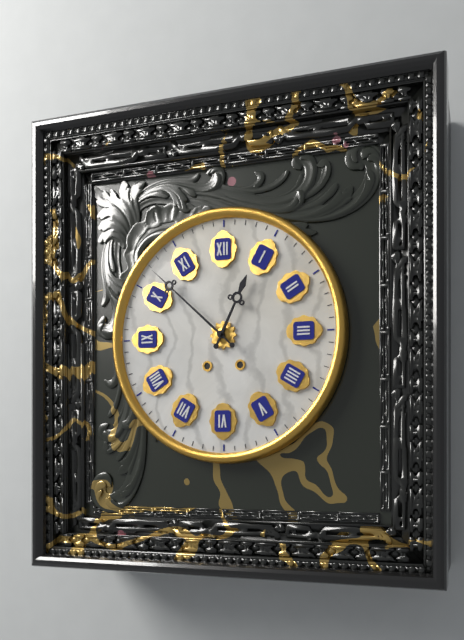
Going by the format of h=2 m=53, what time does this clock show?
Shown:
h=12 m=52
